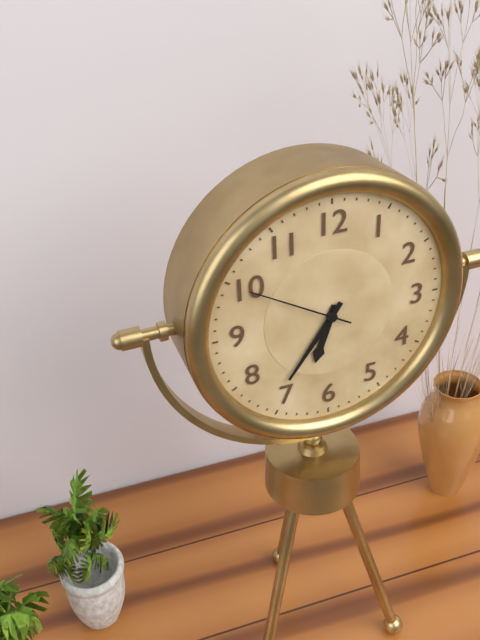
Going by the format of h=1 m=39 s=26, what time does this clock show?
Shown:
h=6 m=36 s=50
